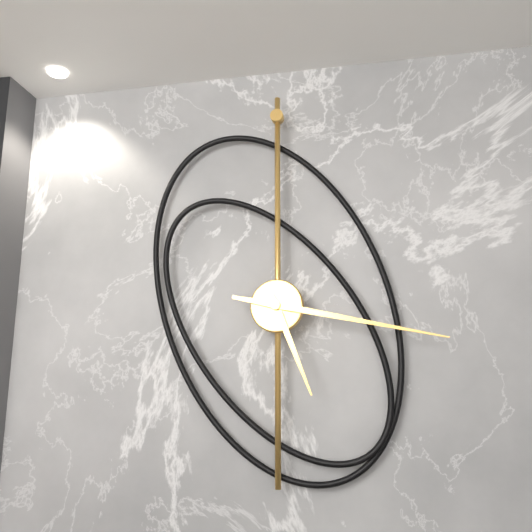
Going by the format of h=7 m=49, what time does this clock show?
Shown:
h=5 m=17
